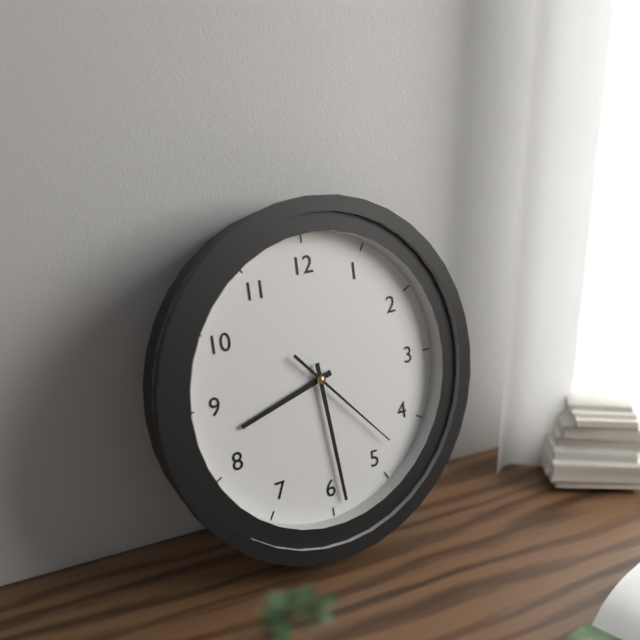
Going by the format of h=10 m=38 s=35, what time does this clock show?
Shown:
h=8 m=29 s=23
